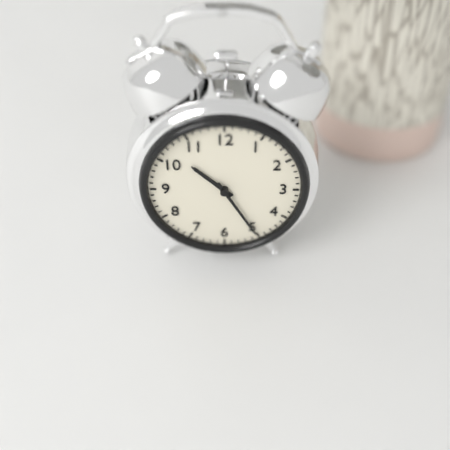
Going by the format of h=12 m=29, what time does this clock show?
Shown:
h=10 m=25
